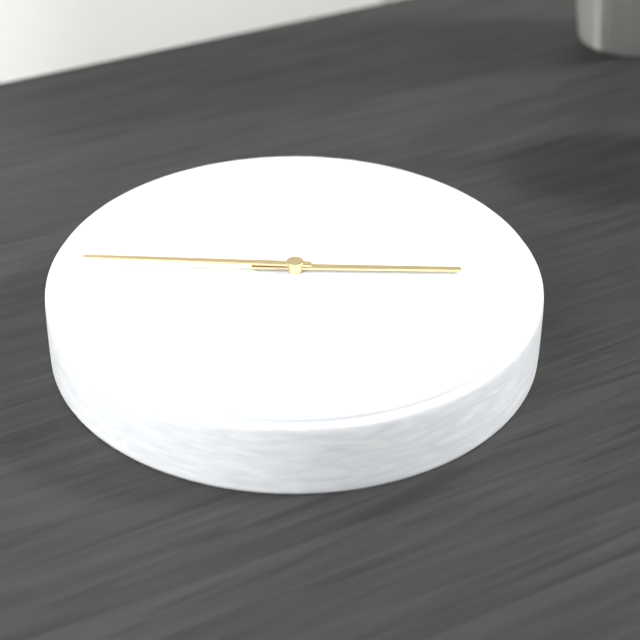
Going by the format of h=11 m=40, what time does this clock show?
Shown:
h=2 m=44
